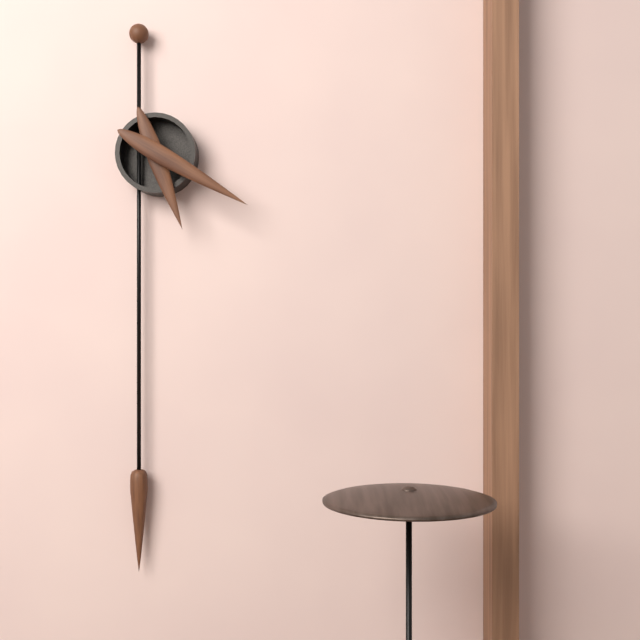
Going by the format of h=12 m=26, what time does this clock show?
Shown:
h=5 m=20
